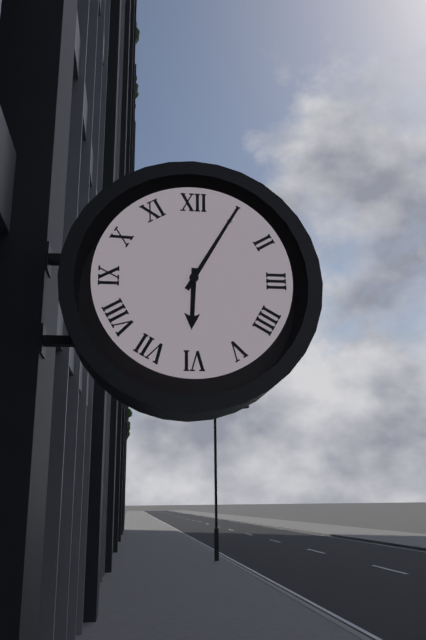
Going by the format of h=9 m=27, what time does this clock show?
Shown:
h=6 m=5
